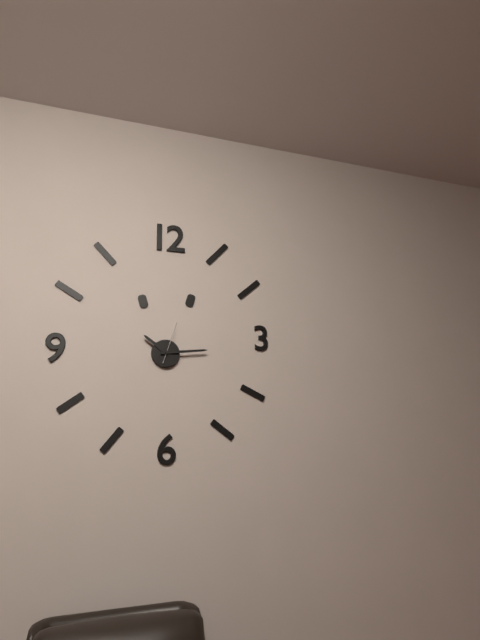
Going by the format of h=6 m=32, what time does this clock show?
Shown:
h=10 m=14
